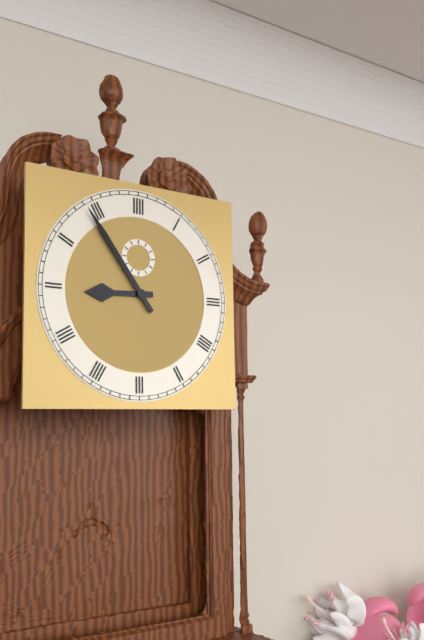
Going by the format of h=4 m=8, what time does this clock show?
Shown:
h=8 m=54
